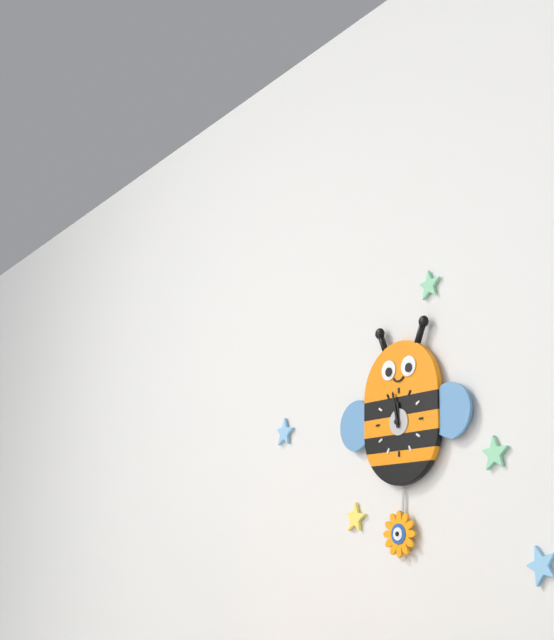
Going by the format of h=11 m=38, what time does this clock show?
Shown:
h=11 m=58
